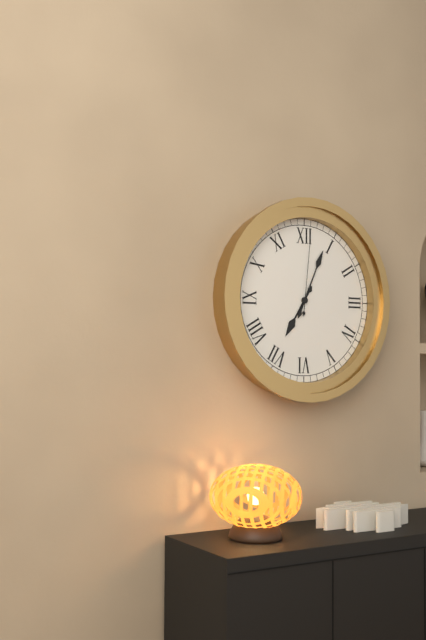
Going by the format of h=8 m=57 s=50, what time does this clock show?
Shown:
h=7 m=4 s=1
